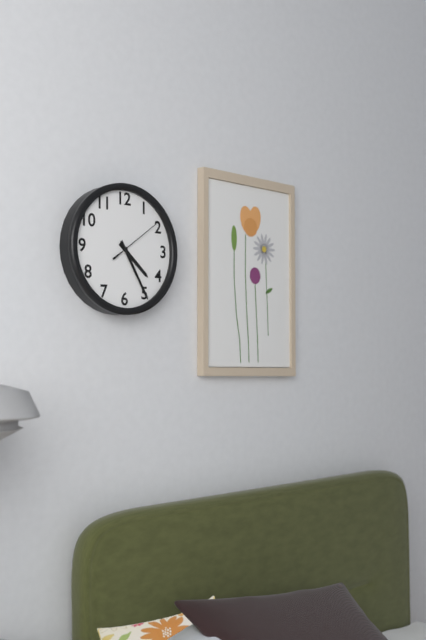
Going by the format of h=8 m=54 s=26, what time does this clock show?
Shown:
h=4 m=25 s=9
